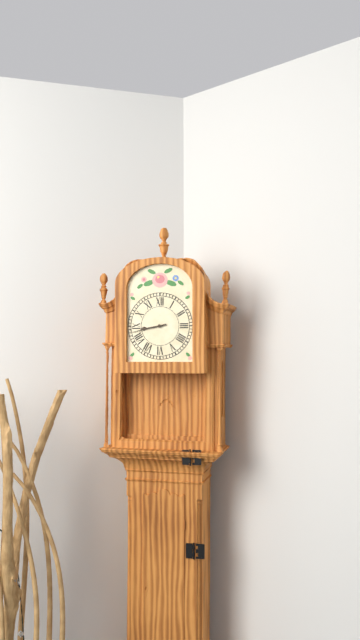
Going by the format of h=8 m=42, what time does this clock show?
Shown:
h=8 m=43
